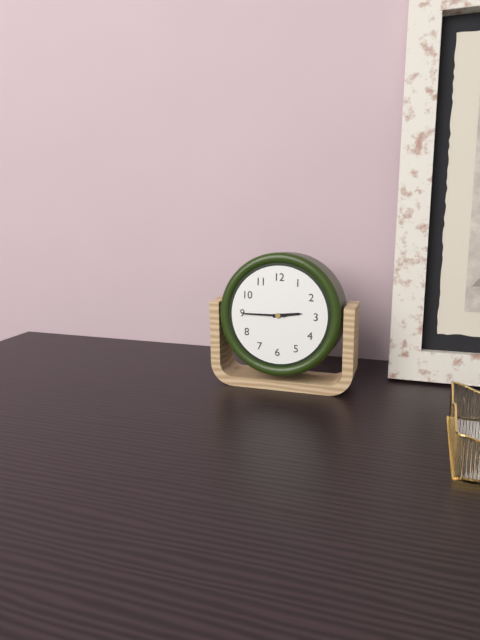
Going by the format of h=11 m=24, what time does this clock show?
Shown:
h=2 m=45
